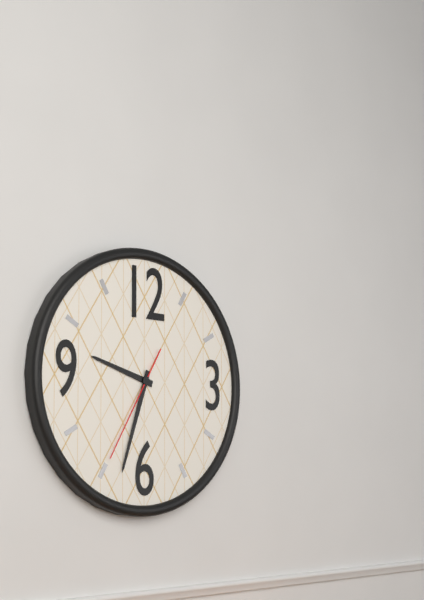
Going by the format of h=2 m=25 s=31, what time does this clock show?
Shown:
h=9 m=33 s=35
